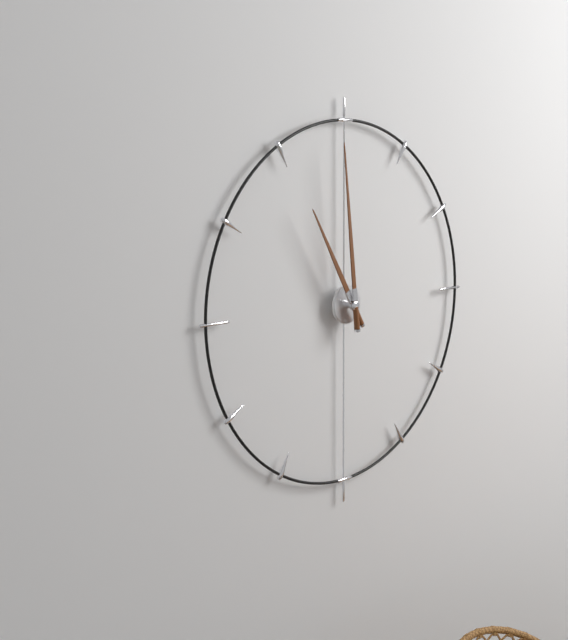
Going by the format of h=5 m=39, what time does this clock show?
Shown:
h=10 m=59
